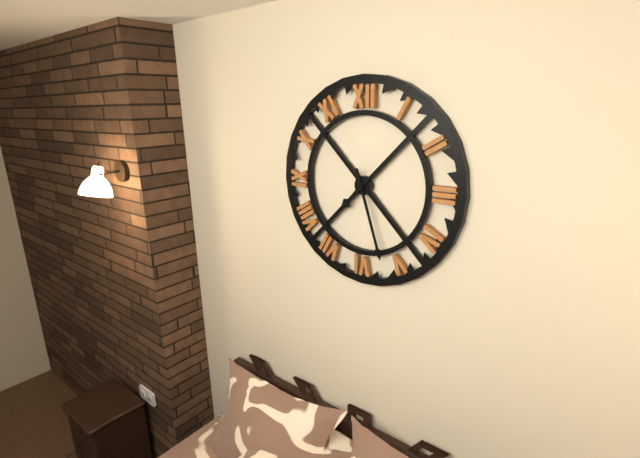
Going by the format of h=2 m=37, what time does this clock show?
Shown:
h=7 m=27
